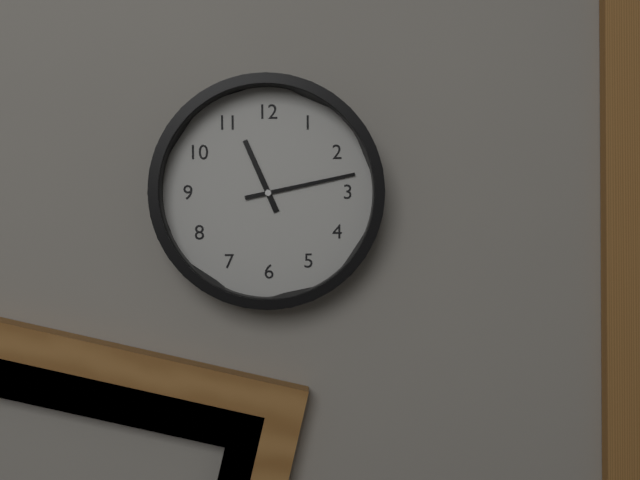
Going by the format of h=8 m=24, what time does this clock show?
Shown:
h=11 m=13
